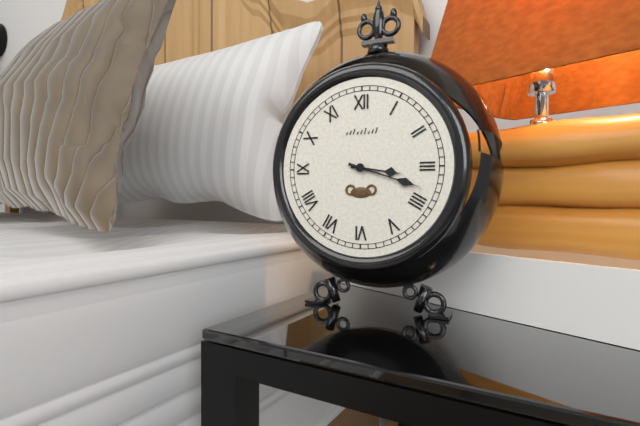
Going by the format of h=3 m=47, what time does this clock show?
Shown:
h=3 m=18
